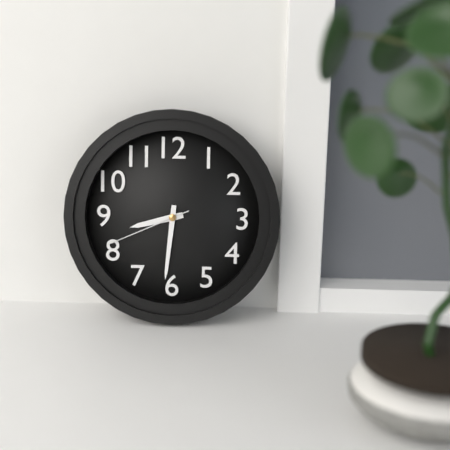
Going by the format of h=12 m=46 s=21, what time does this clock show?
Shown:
h=8 m=31 s=41
